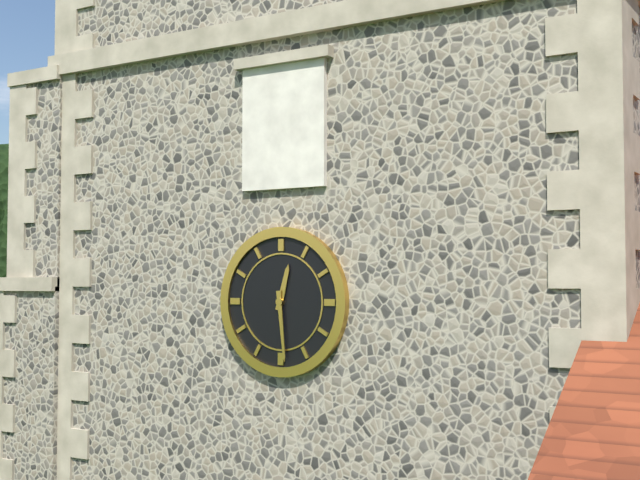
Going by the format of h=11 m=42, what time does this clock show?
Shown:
h=12 m=29
